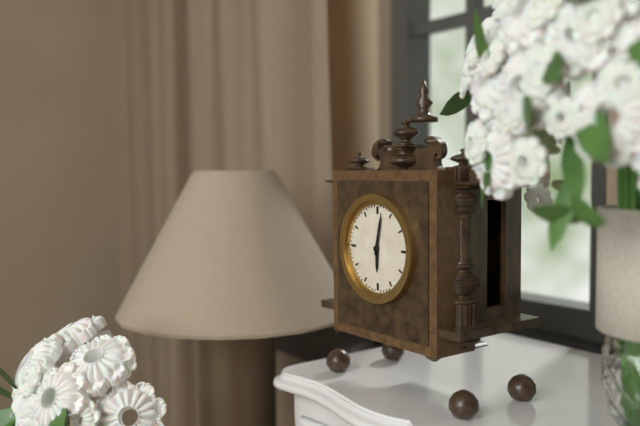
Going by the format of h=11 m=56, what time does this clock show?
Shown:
h=6 m=2
